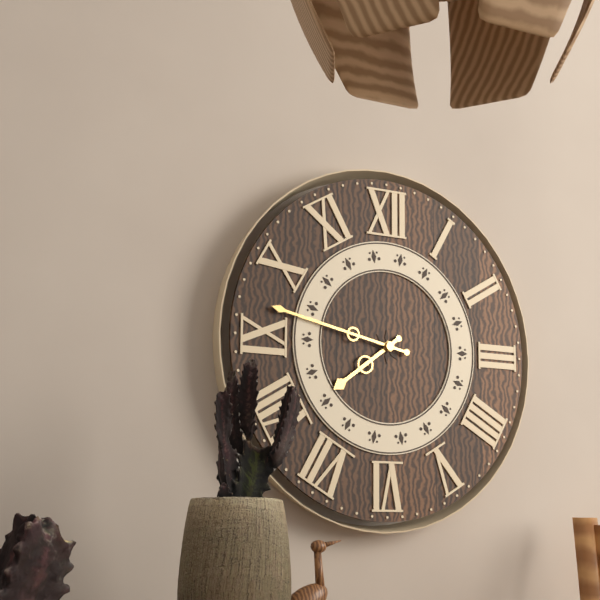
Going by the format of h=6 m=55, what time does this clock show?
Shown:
h=7 m=47
